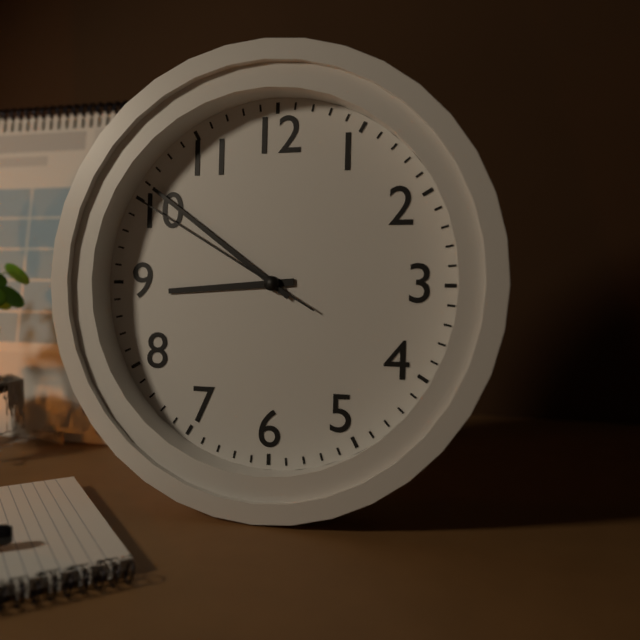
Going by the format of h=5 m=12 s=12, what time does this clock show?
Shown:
h=8 m=51 s=50
